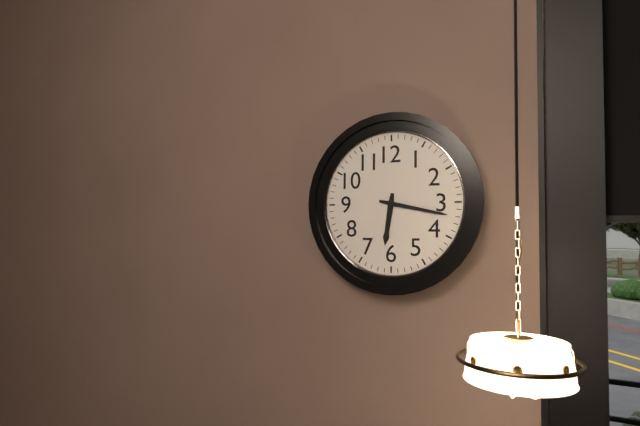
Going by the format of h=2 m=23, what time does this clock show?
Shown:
h=6 m=17
